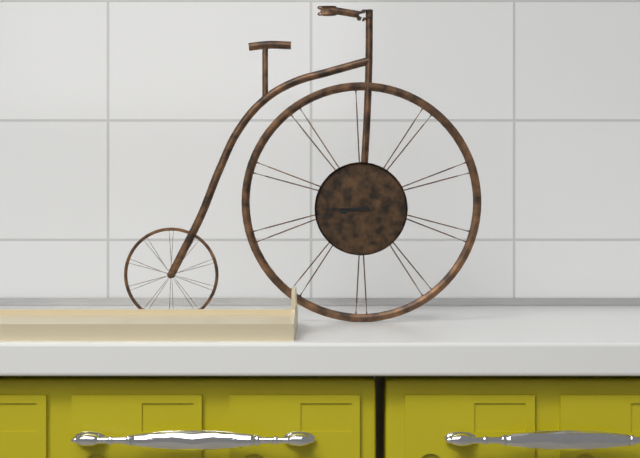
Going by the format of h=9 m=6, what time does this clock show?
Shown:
h=8 m=45
